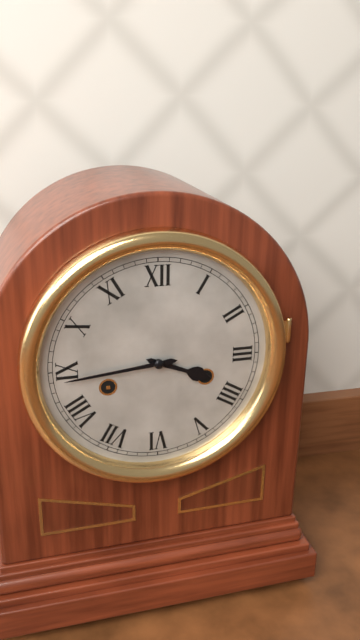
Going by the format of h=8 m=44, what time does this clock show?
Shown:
h=3 m=44
